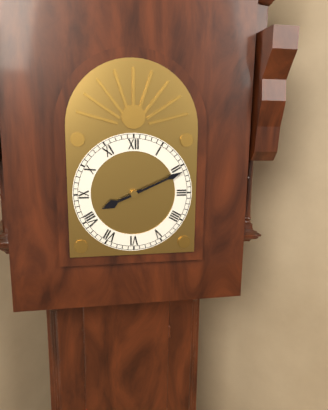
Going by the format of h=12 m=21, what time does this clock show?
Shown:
h=8 m=11
